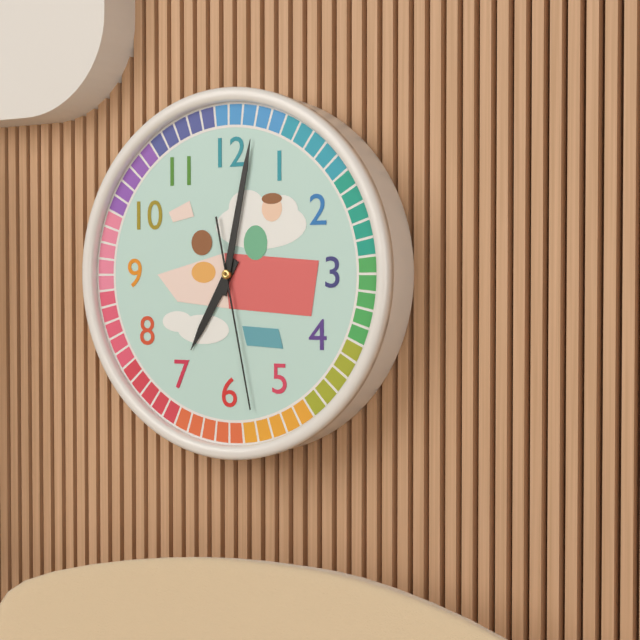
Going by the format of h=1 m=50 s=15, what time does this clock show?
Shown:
h=7 m=2 s=28
